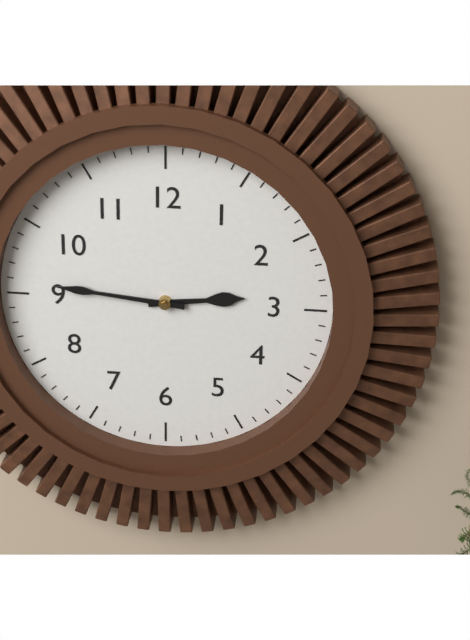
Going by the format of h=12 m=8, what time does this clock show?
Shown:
h=2 m=46
